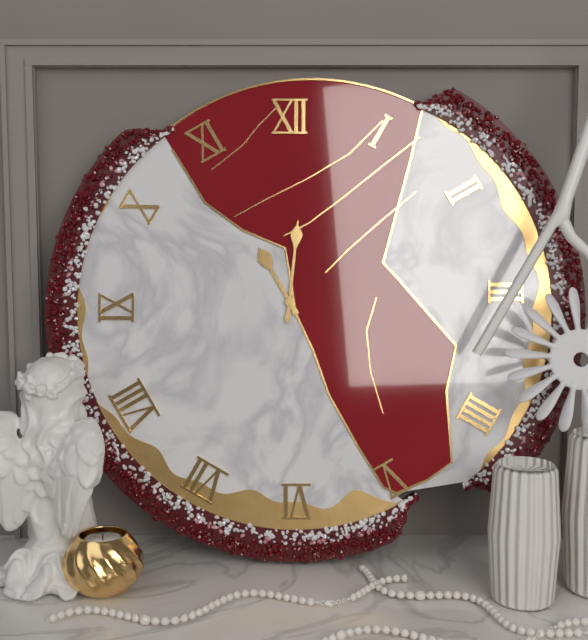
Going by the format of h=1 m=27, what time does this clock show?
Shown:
h=11 m=1
